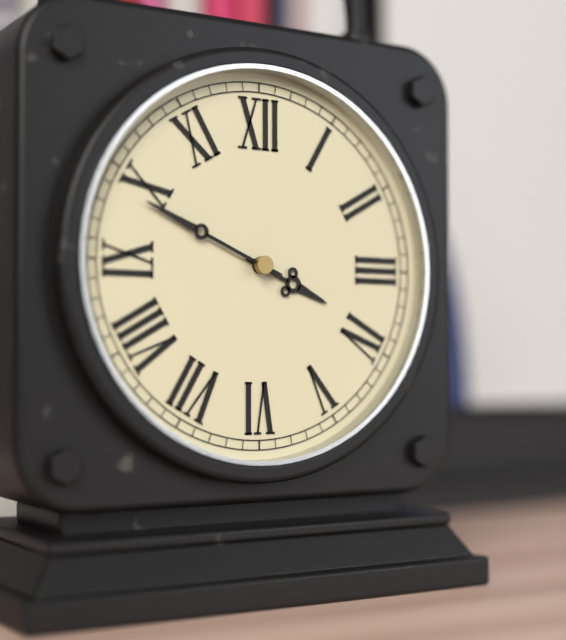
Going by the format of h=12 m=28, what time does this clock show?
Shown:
h=3 m=49
